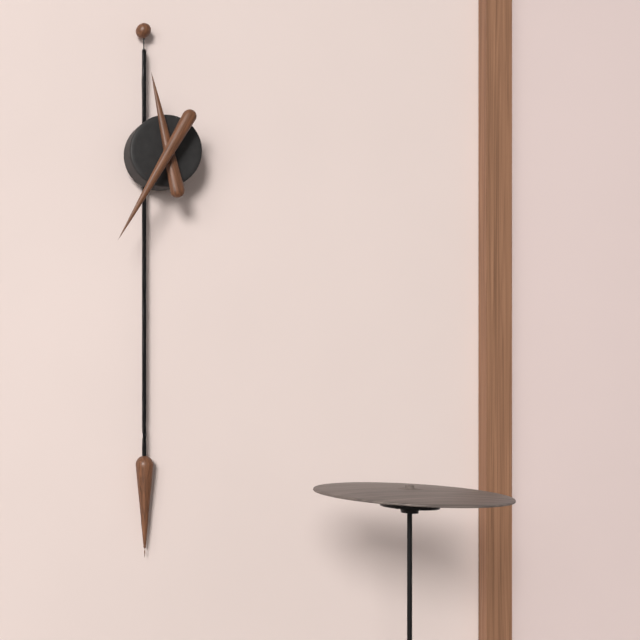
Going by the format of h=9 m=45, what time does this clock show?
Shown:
h=11 m=35
